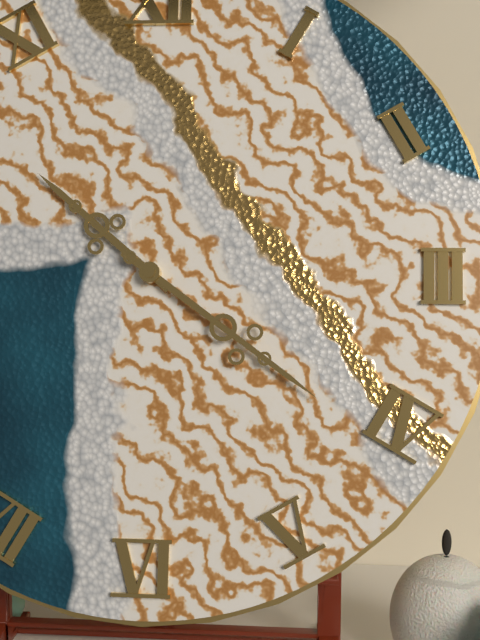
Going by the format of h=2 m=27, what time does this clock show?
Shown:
h=10 m=21
